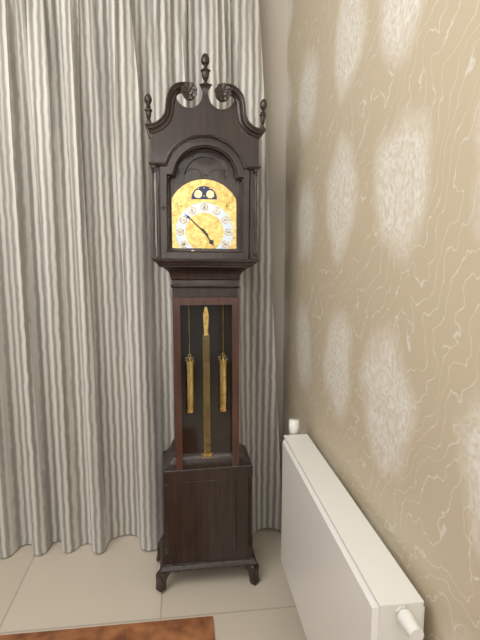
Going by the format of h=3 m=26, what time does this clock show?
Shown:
h=4 m=52
